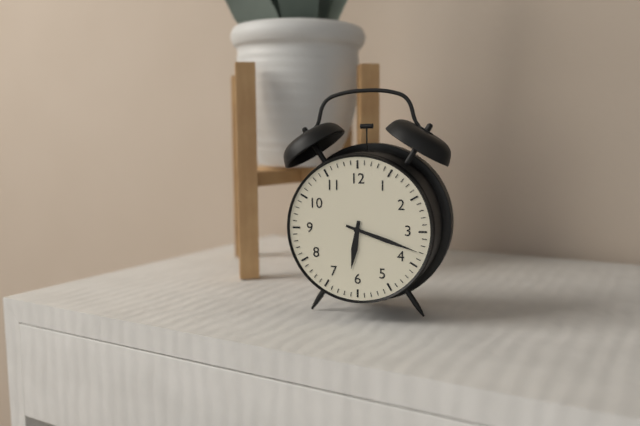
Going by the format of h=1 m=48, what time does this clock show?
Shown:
h=6 m=18
